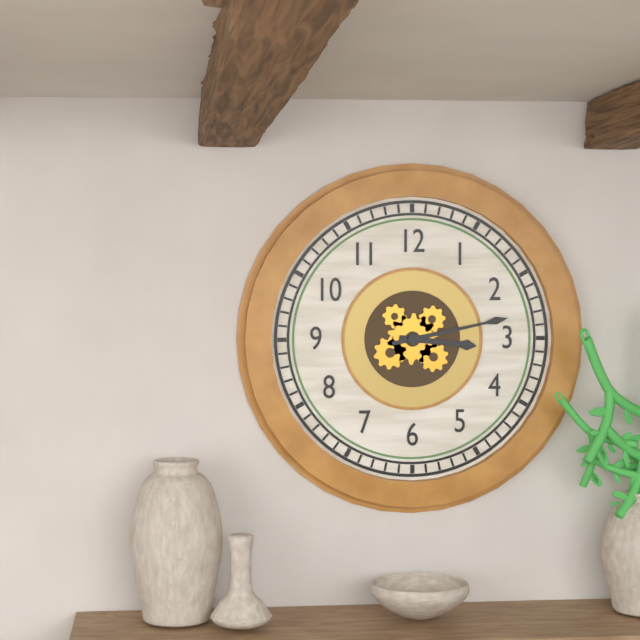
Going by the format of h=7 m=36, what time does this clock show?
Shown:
h=3 m=13
